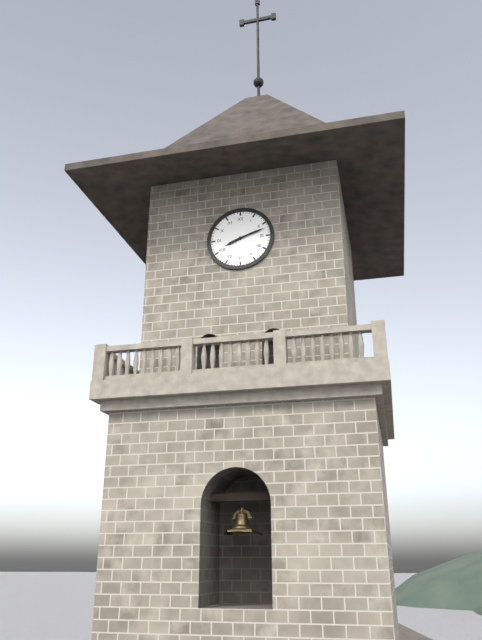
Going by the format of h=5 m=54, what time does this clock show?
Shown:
h=8 m=12
